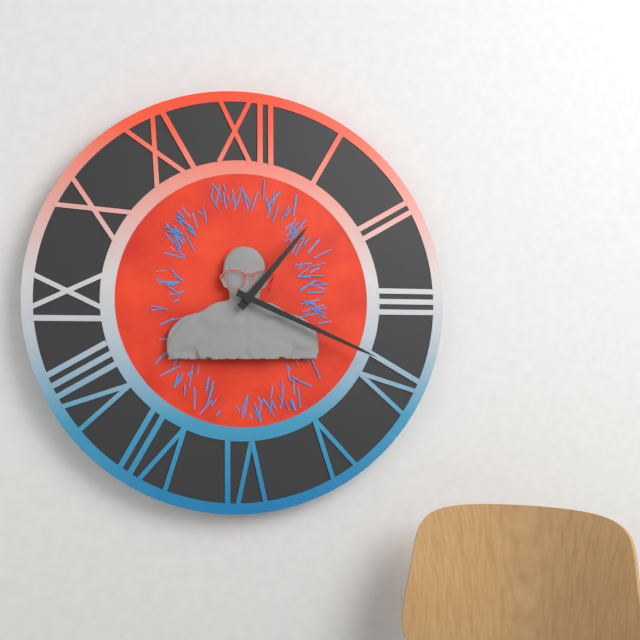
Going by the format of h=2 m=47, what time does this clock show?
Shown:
h=1 m=19
